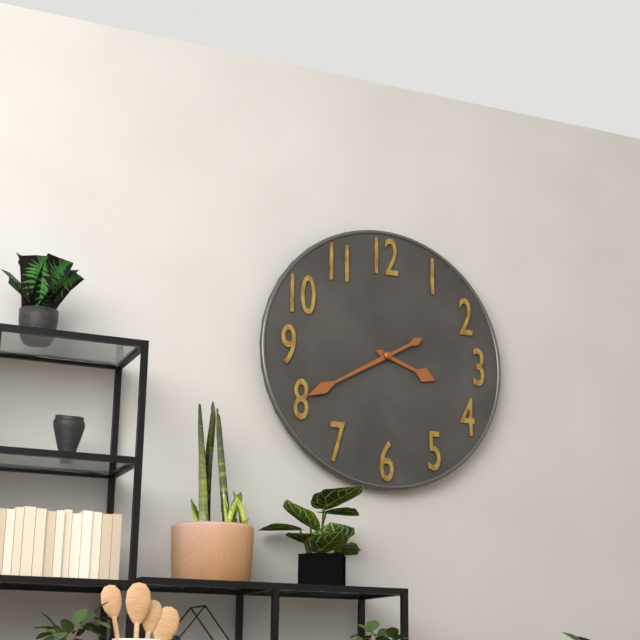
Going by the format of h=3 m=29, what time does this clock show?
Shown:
h=3 m=40
